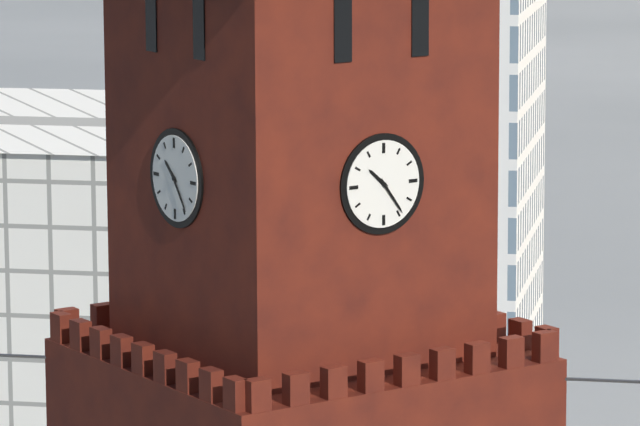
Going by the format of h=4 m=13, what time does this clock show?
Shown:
h=10 m=24
